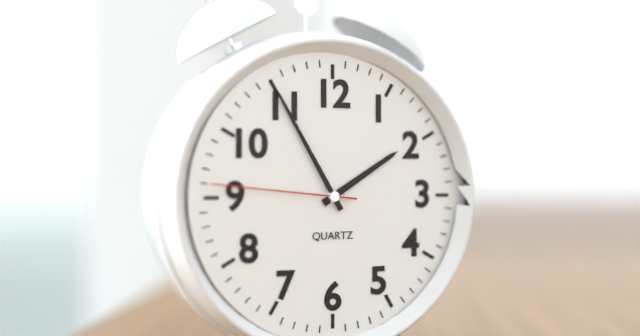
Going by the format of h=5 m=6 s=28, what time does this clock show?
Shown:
h=1 m=55 s=46
